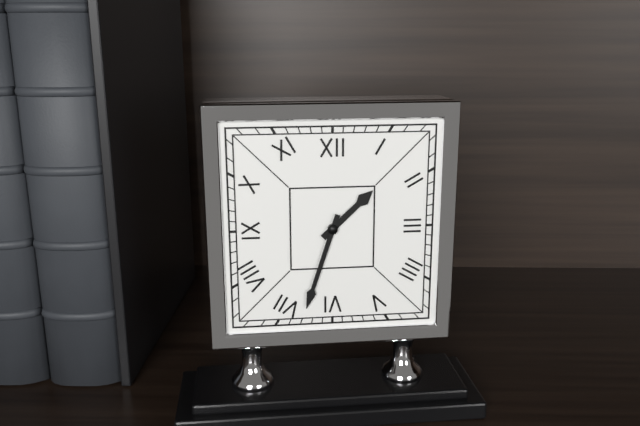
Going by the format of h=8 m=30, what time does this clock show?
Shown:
h=1 m=33
